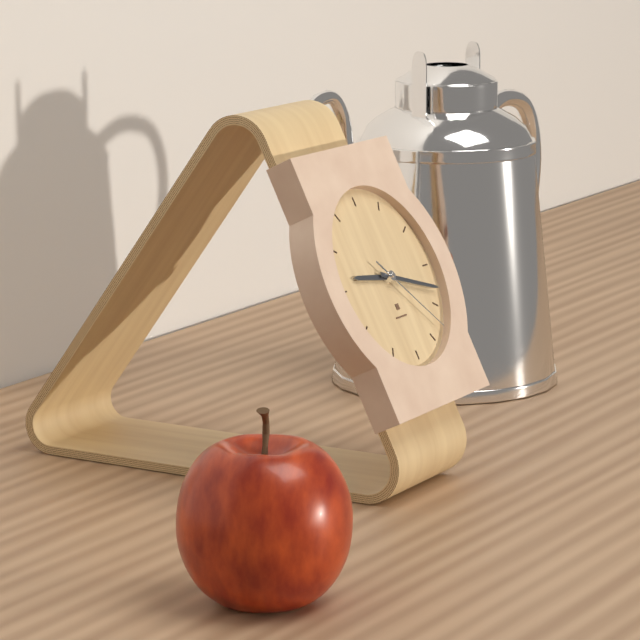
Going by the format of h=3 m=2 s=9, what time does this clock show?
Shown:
h=9 m=18 s=23
